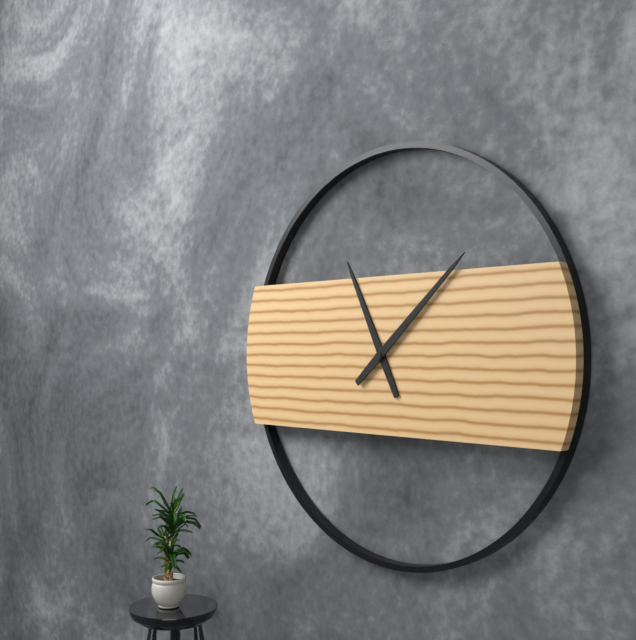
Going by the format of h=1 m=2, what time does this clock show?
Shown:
h=11 m=8
